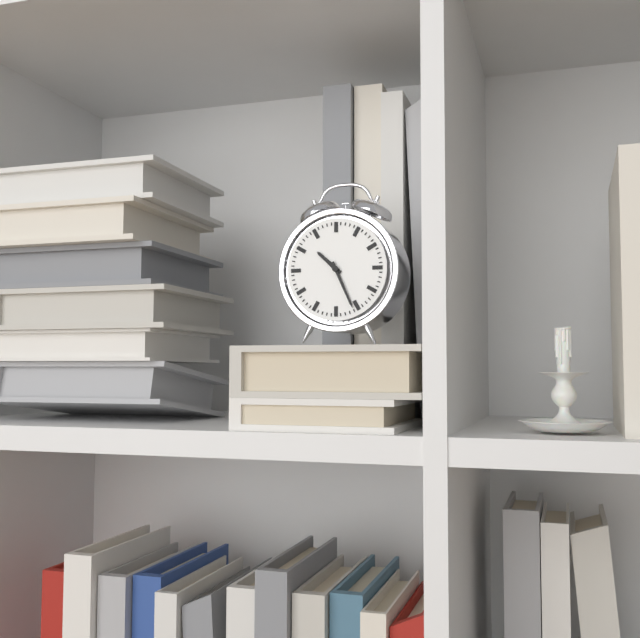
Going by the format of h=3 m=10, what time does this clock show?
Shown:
h=10 m=26
